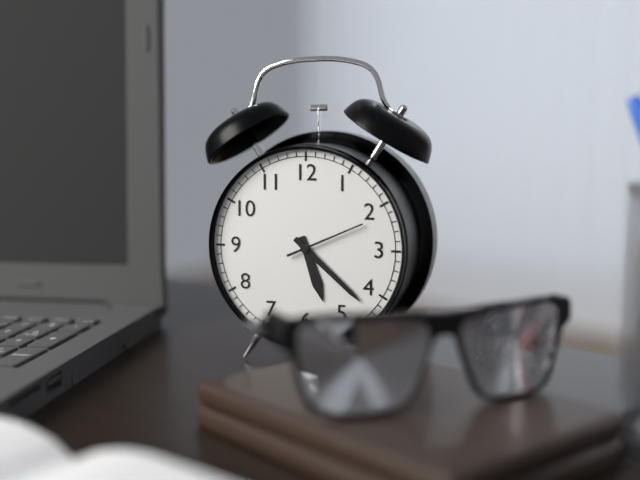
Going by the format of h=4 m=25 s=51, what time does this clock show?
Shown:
h=5 m=22 s=11
